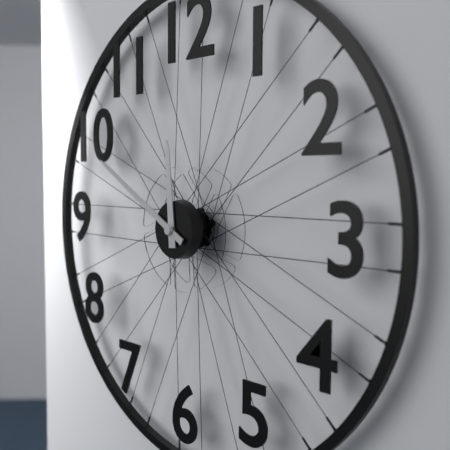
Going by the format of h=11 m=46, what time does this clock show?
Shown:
h=11 m=50
